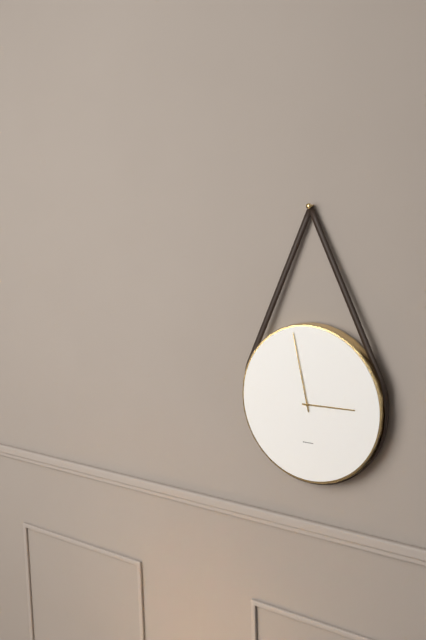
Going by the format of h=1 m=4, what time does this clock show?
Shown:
h=2 m=58
